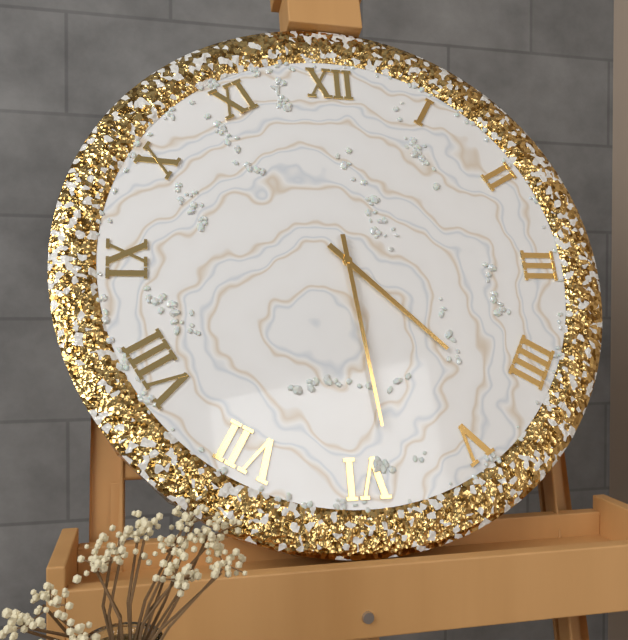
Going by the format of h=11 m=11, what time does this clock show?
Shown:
h=4 m=29
